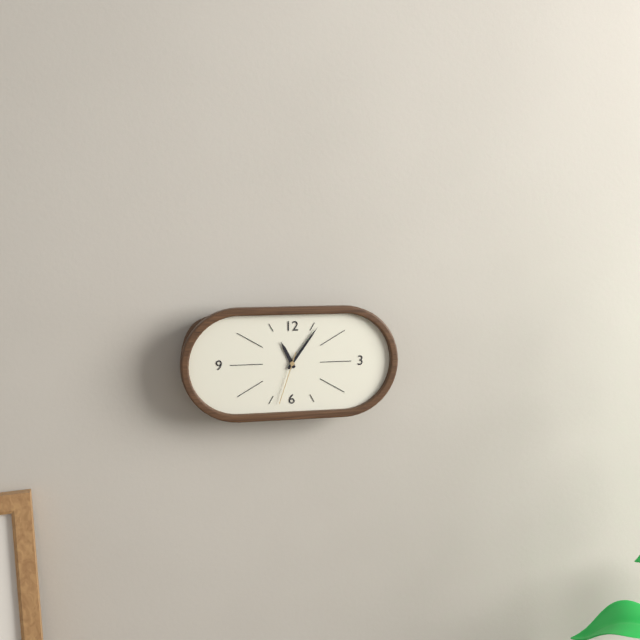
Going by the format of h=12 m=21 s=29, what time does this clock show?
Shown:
h=11 m=6 s=33
